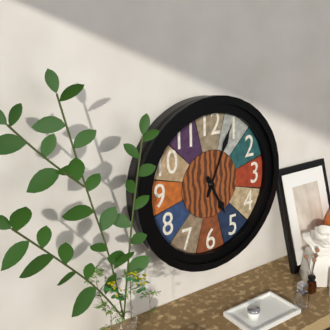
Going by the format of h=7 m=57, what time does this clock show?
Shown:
h=5 m=4
